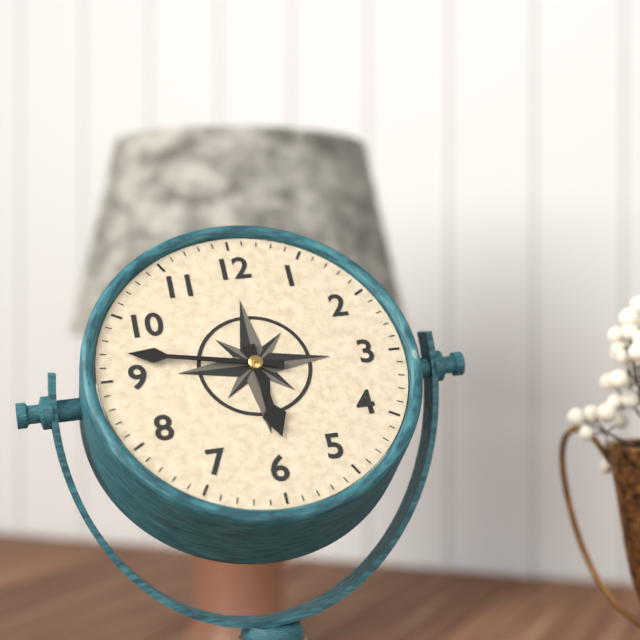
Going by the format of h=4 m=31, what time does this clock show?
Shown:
h=5 m=47
